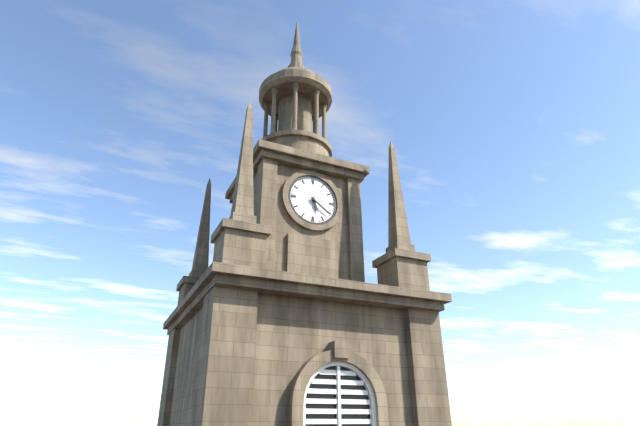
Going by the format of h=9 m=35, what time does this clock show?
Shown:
h=5 m=21
